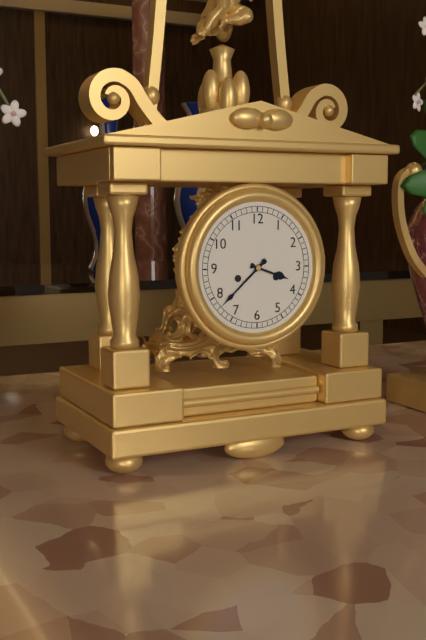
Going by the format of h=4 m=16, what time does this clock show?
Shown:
h=3 m=38
